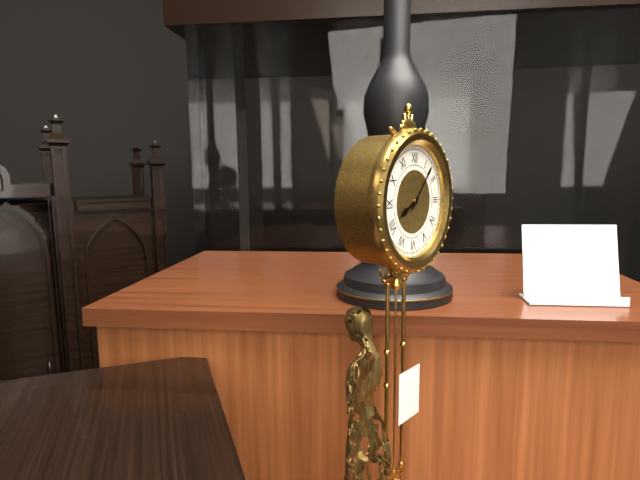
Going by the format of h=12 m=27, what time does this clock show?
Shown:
h=8 m=7
